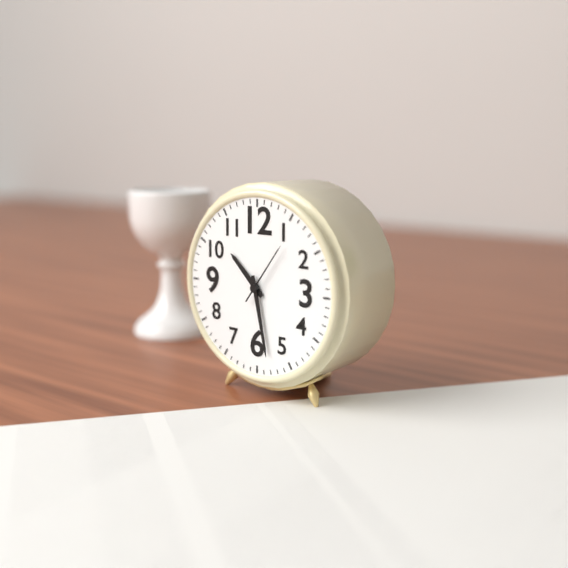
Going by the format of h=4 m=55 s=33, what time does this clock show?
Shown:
h=10 m=28 s=6
